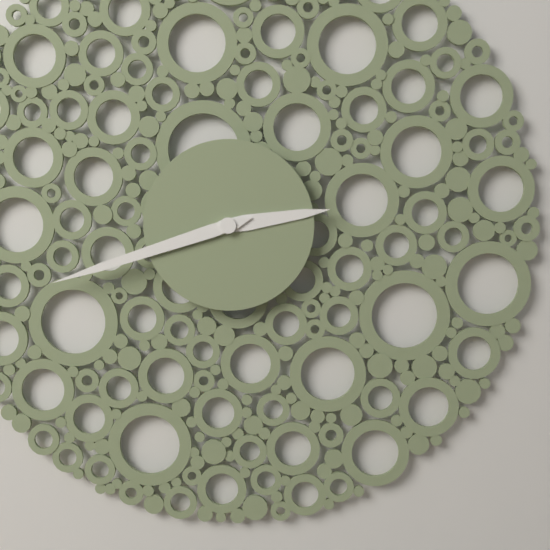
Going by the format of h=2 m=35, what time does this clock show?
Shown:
h=2 m=42
